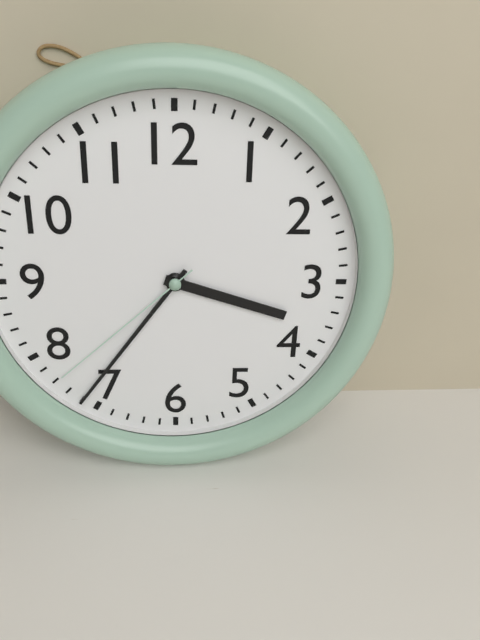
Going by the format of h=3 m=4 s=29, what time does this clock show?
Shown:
h=3 m=36 s=38
